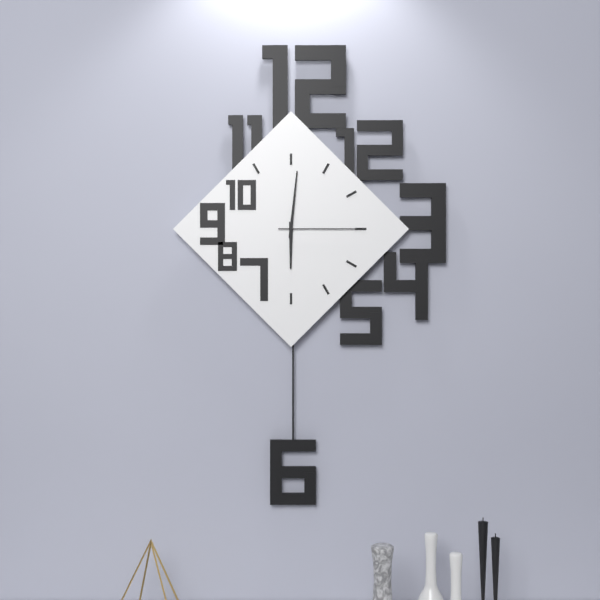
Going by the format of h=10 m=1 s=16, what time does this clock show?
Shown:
h=6 m=1 s=15
